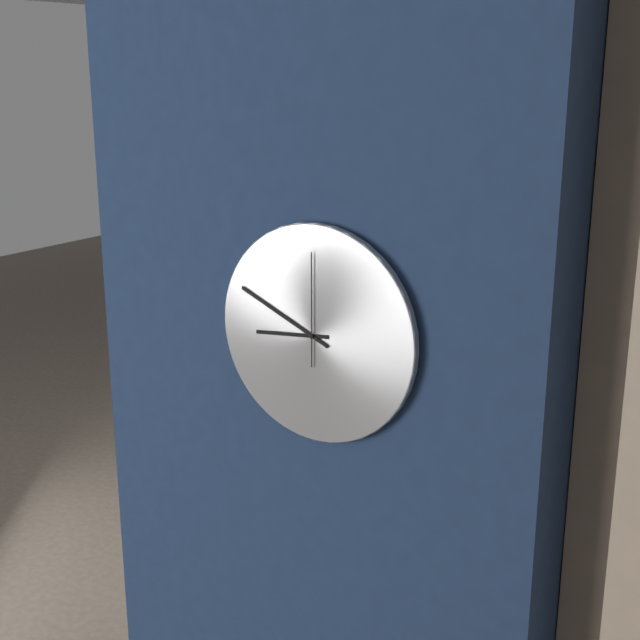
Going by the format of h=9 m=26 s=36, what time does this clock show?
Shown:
h=8 m=49 s=0
